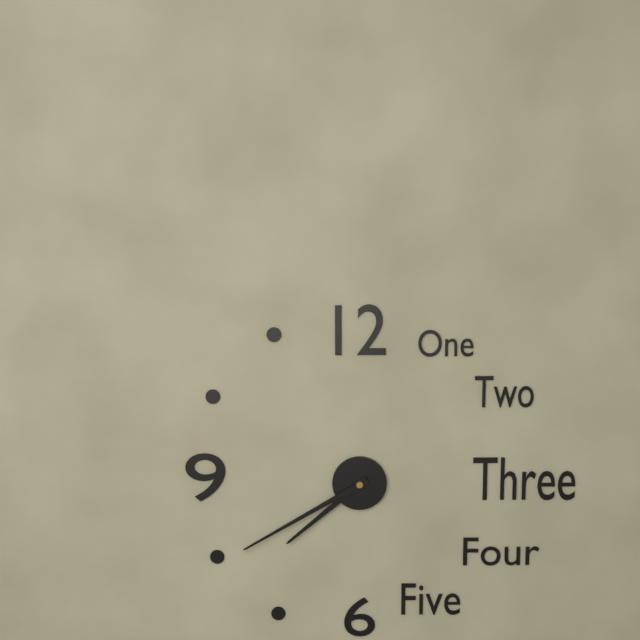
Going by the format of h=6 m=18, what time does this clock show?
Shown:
h=7 m=40
